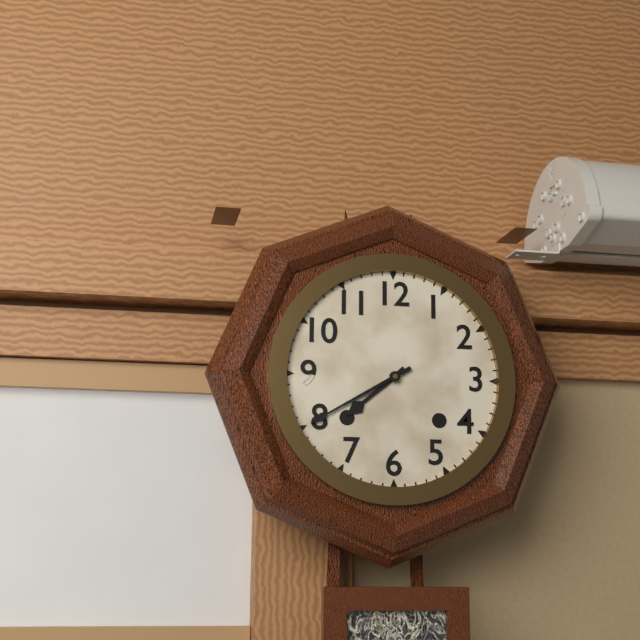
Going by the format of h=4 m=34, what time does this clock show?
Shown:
h=7 m=40
